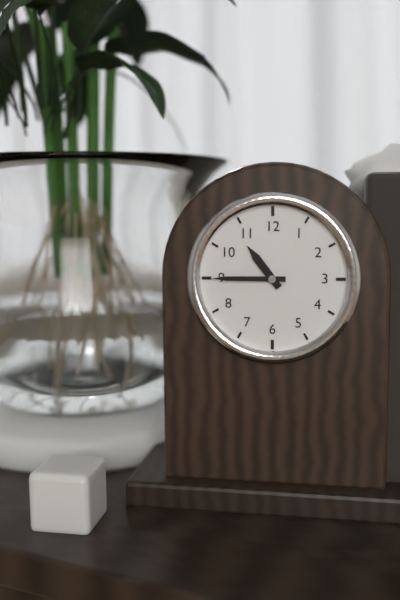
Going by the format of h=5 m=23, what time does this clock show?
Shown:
h=10 m=45
